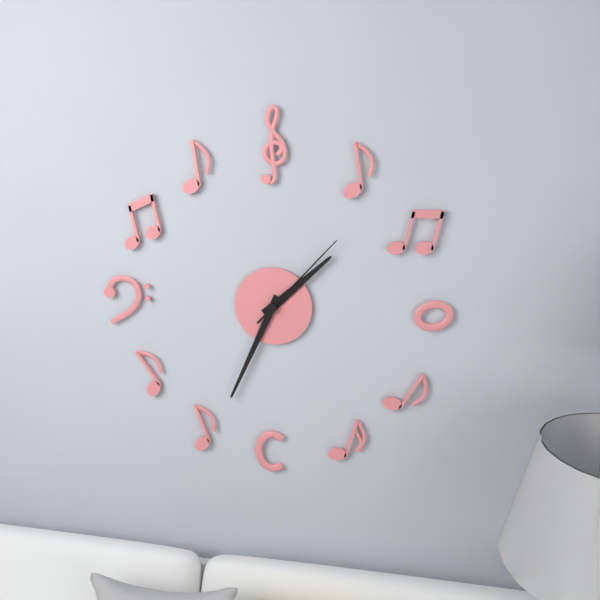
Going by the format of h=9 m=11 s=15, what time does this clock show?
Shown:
h=1 m=34 s=7
